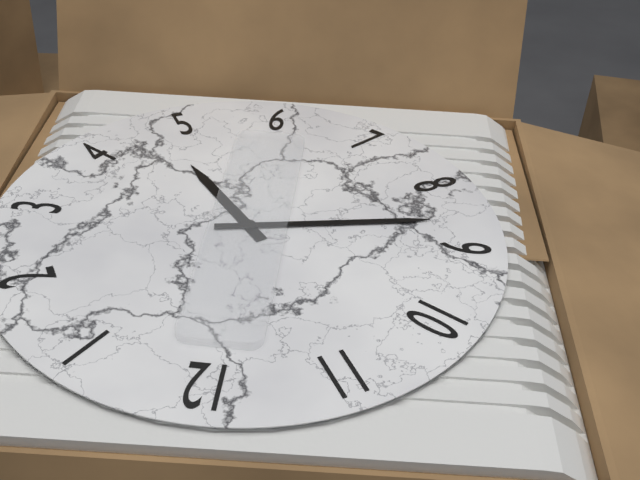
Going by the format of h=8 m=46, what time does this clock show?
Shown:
h=4 m=43
